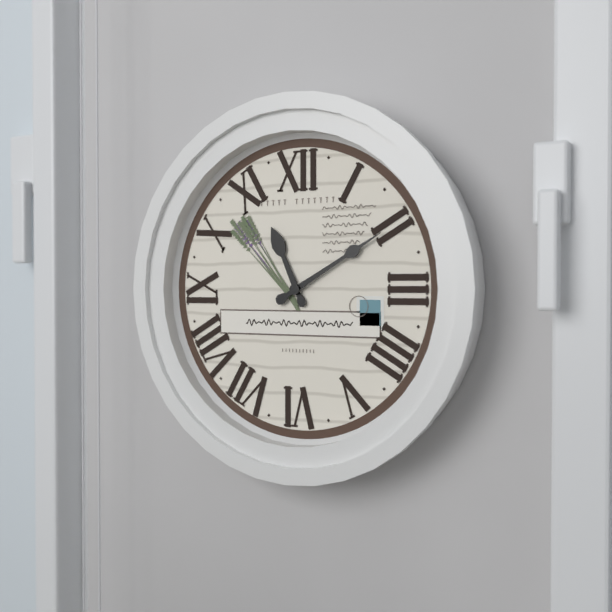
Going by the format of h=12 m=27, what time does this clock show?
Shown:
h=11 m=10
